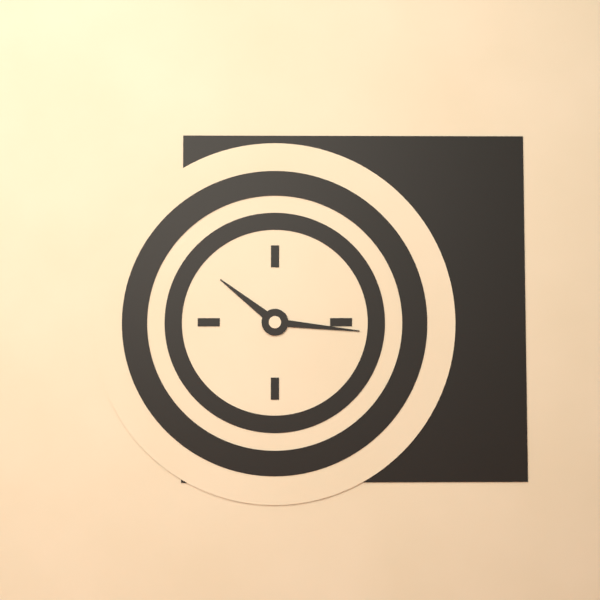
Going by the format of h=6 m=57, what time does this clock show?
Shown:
h=10 m=16
